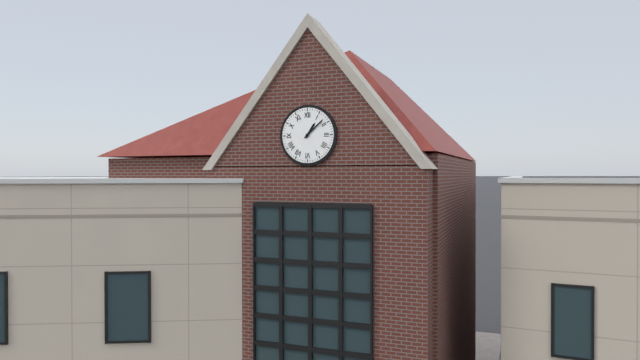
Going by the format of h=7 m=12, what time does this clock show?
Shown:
h=1 m=8
